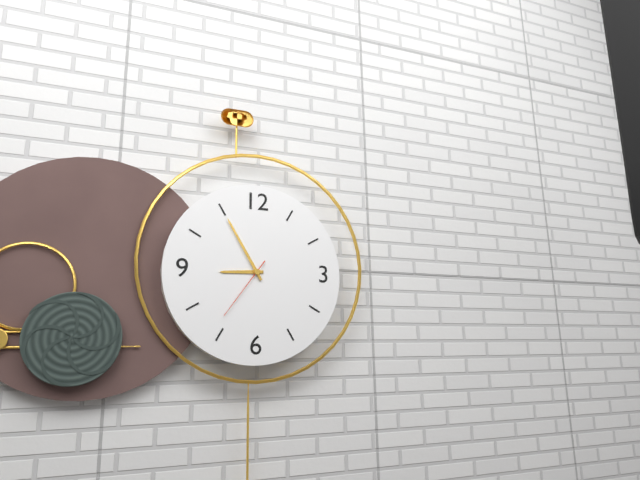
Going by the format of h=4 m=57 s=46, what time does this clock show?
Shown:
h=8 m=55 s=36
